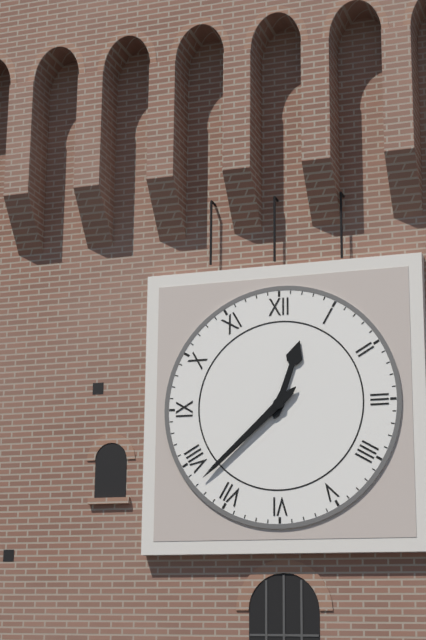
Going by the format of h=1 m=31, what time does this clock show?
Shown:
h=12 m=38
